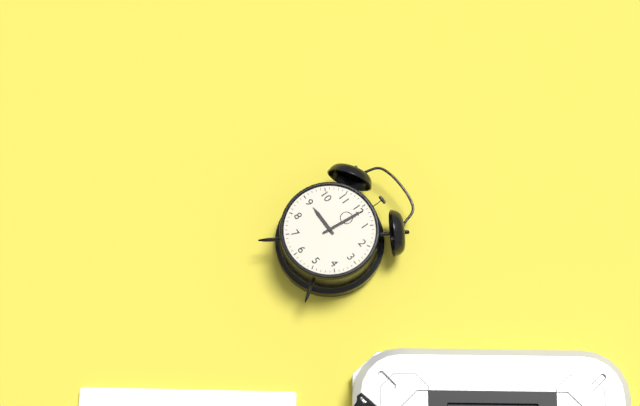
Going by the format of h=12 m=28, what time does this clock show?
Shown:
h=9 m=1
